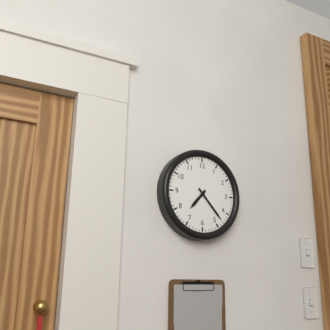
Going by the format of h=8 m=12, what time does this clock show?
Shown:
h=7 m=23
